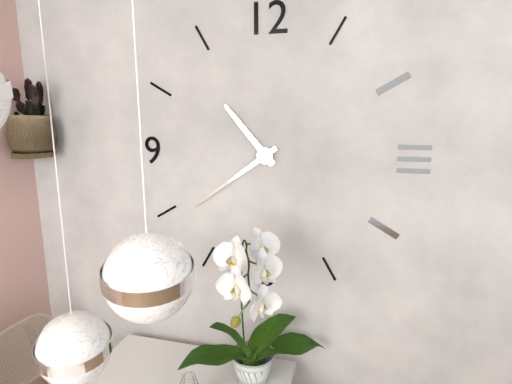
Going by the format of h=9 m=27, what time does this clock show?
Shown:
h=10 m=39
